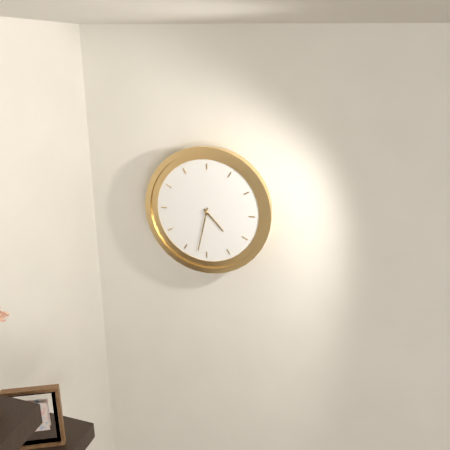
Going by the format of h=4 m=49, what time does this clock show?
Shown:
h=4 m=32
